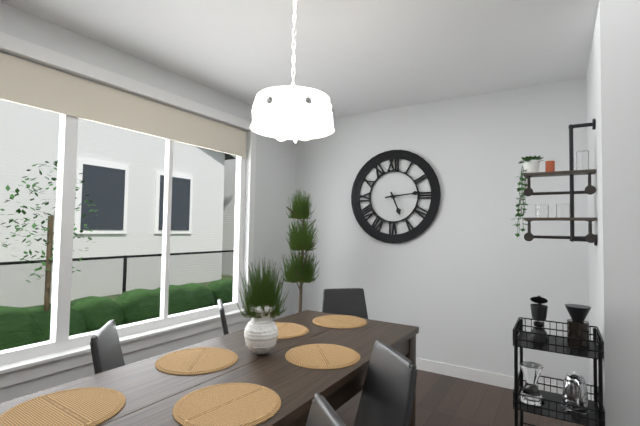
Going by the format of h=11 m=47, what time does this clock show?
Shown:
h=5 m=14
